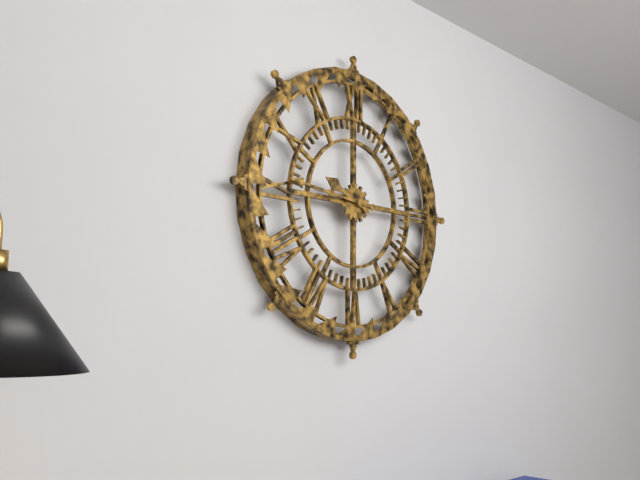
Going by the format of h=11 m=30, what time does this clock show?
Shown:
h=9 m=46
